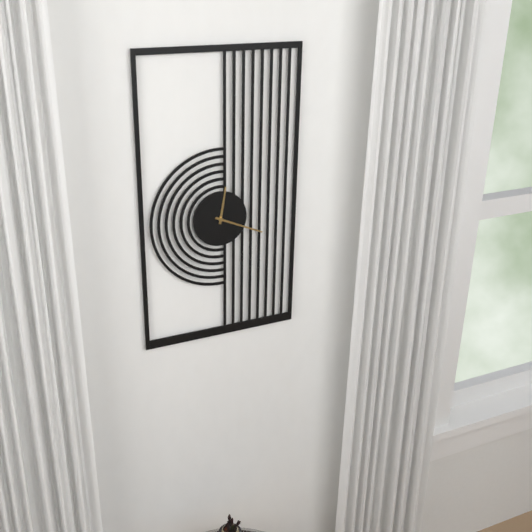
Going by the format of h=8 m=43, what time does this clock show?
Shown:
h=12 m=19
